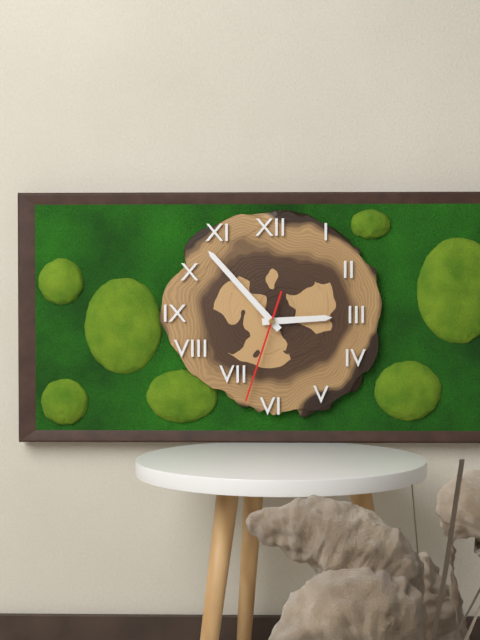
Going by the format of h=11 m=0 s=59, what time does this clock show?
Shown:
h=2 m=53 s=33
